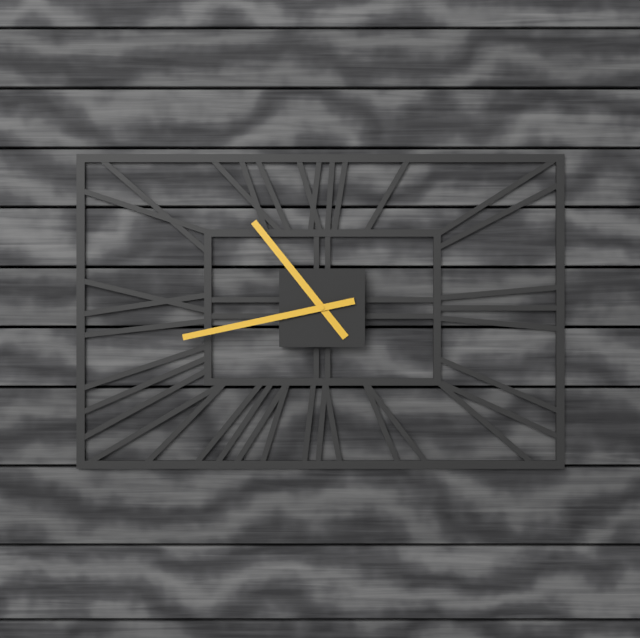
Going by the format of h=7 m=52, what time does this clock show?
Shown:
h=10 m=43
